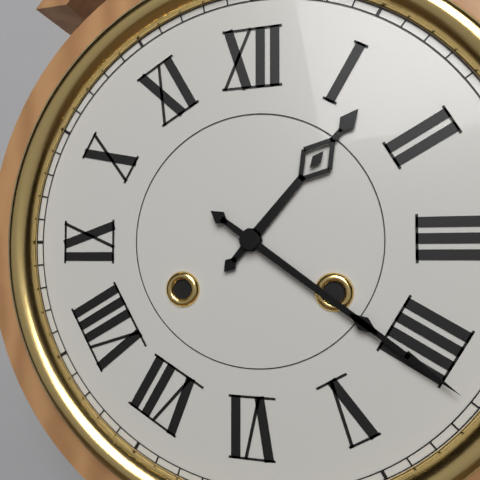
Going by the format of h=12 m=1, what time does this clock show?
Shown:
h=1 m=21
